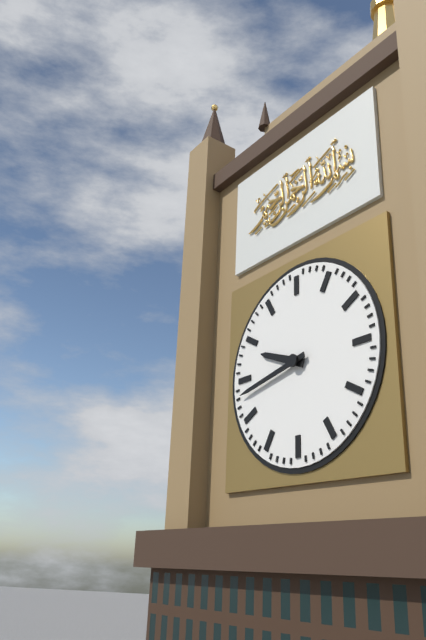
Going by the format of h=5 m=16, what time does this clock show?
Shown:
h=9 m=43
